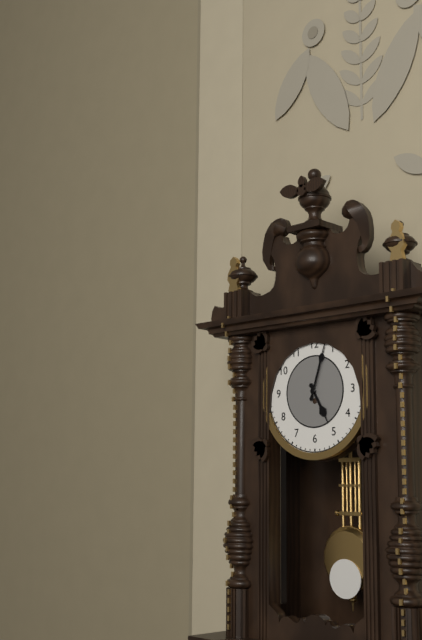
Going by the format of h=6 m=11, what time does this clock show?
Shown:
h=5 m=3
